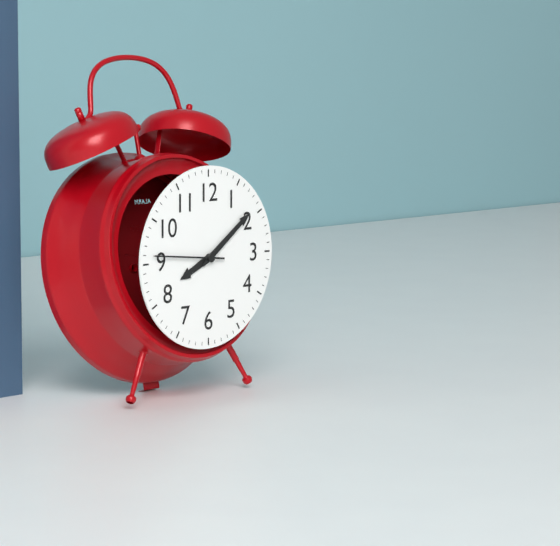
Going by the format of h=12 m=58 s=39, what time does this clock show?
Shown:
h=8 m=9 s=46
